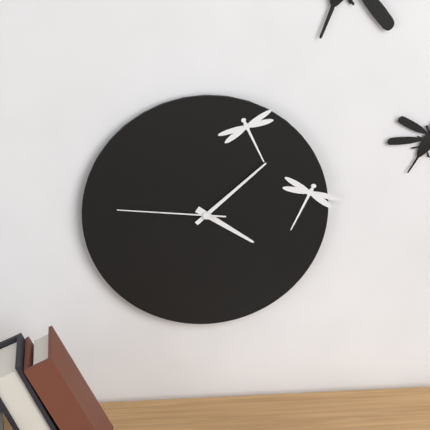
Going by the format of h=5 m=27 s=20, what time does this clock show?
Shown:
h=4 m=8 s=46
